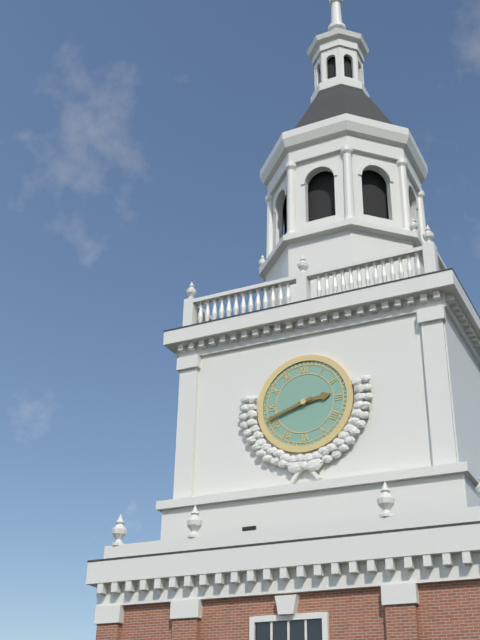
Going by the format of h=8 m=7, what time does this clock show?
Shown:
h=2 m=42
